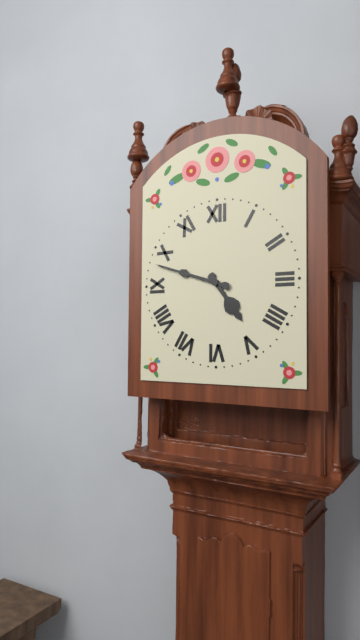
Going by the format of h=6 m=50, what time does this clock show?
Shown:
h=4 m=48
